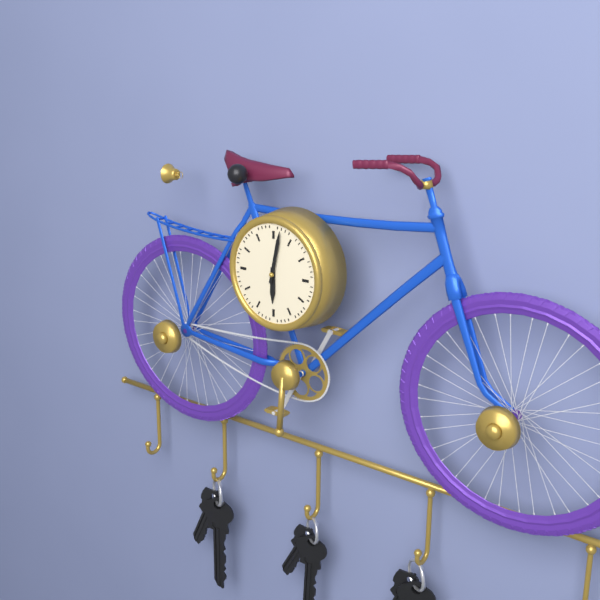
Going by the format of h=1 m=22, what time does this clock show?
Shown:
h=6 m=2
